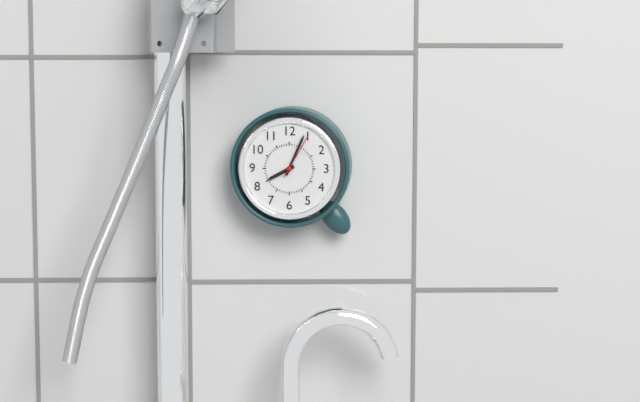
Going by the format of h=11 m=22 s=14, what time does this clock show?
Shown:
h=8 m=4 s=5
